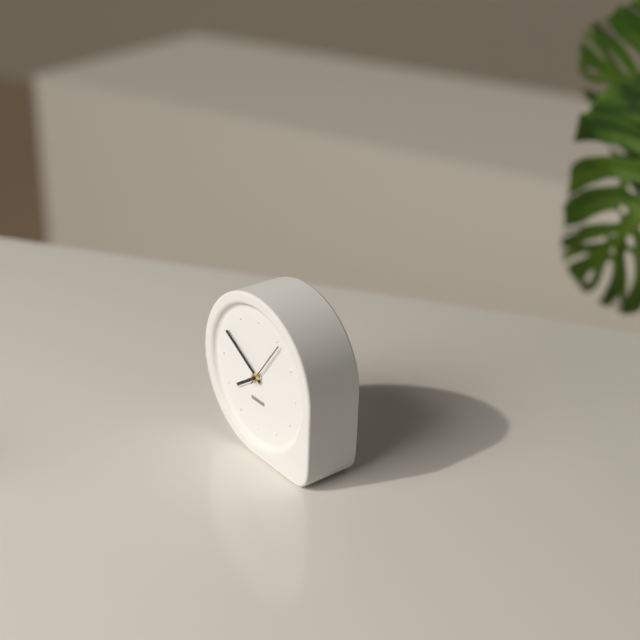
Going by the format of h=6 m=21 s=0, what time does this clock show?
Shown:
h=7 m=50 s=6
